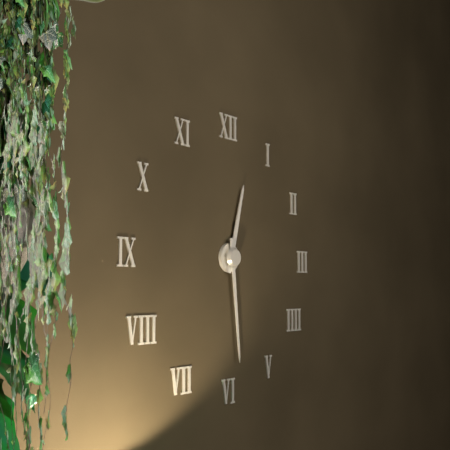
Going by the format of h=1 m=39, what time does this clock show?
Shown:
h=12 m=29
